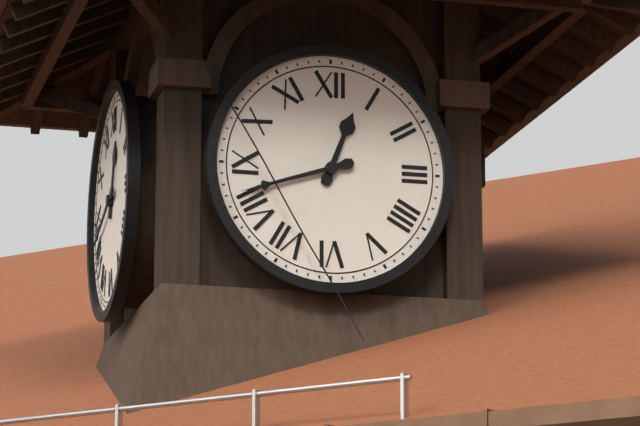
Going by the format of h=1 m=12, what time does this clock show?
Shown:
h=12 m=42
